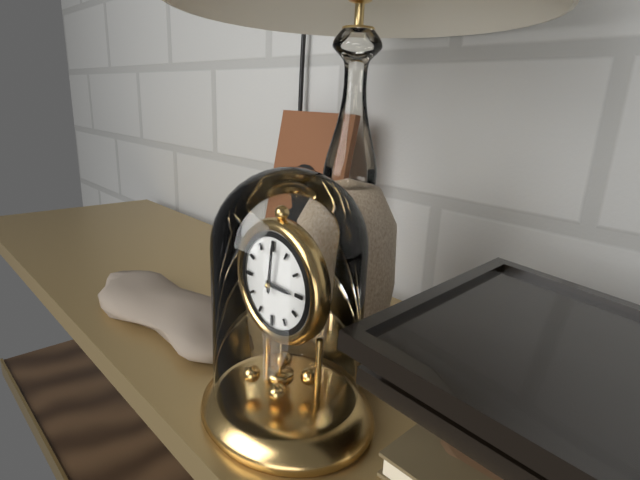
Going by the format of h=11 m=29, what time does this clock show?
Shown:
h=3 m=1
